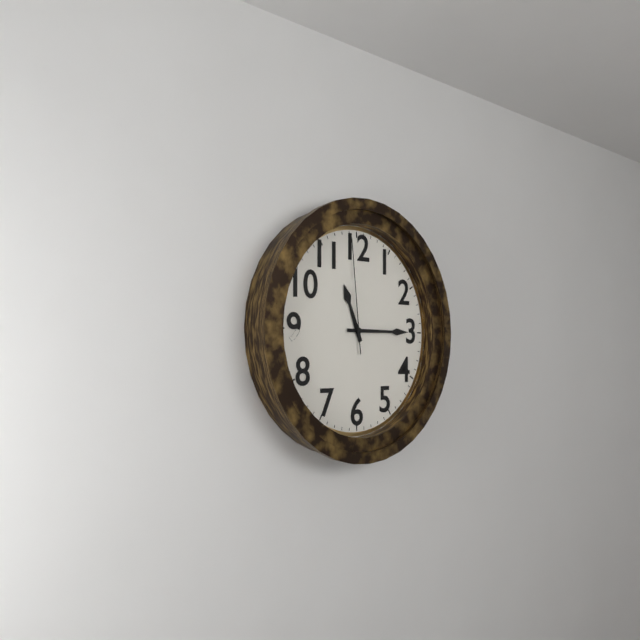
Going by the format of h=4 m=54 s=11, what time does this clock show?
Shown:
h=11 m=15 s=59
